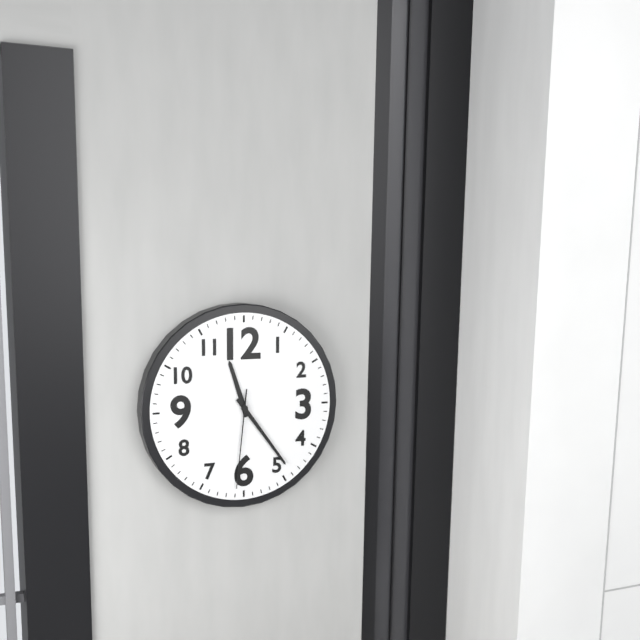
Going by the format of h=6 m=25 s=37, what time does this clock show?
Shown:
h=11 m=24 s=31
